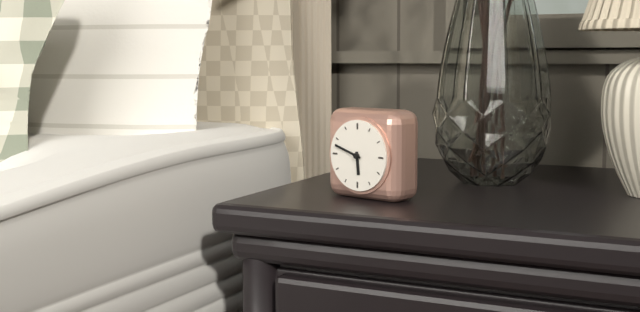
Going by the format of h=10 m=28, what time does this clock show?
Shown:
h=5 m=48
